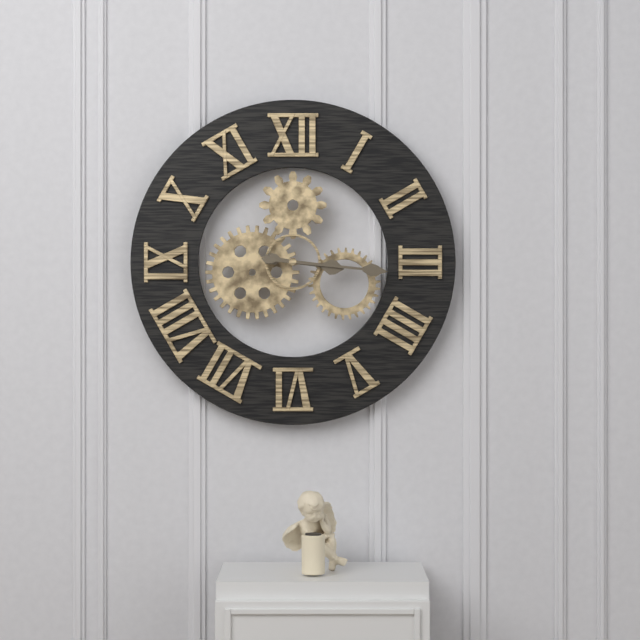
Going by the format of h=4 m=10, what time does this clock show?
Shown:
h=3 m=16
